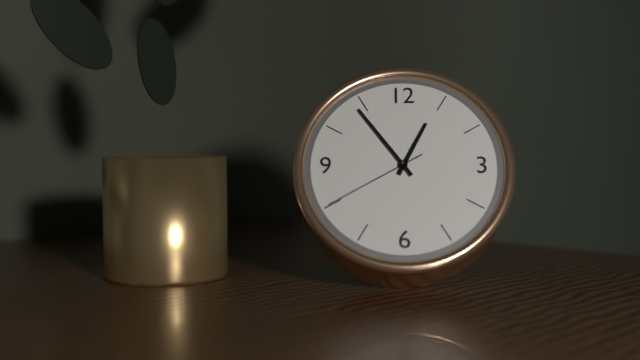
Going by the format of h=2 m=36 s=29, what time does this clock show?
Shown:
h=12 m=54 s=40
